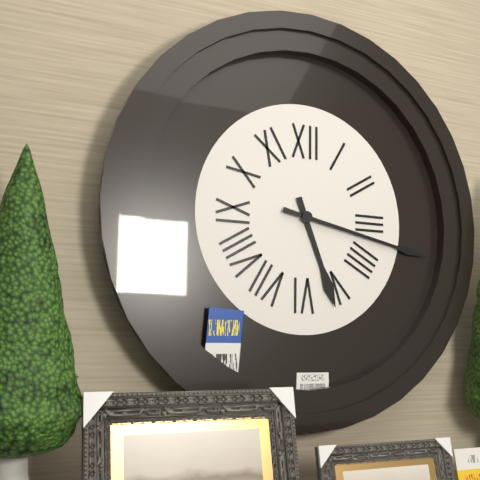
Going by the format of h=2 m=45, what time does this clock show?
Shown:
h=5 m=17
